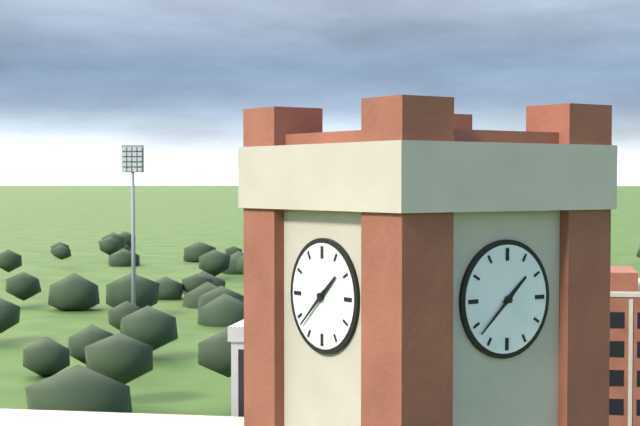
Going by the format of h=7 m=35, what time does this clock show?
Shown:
h=1 m=38
